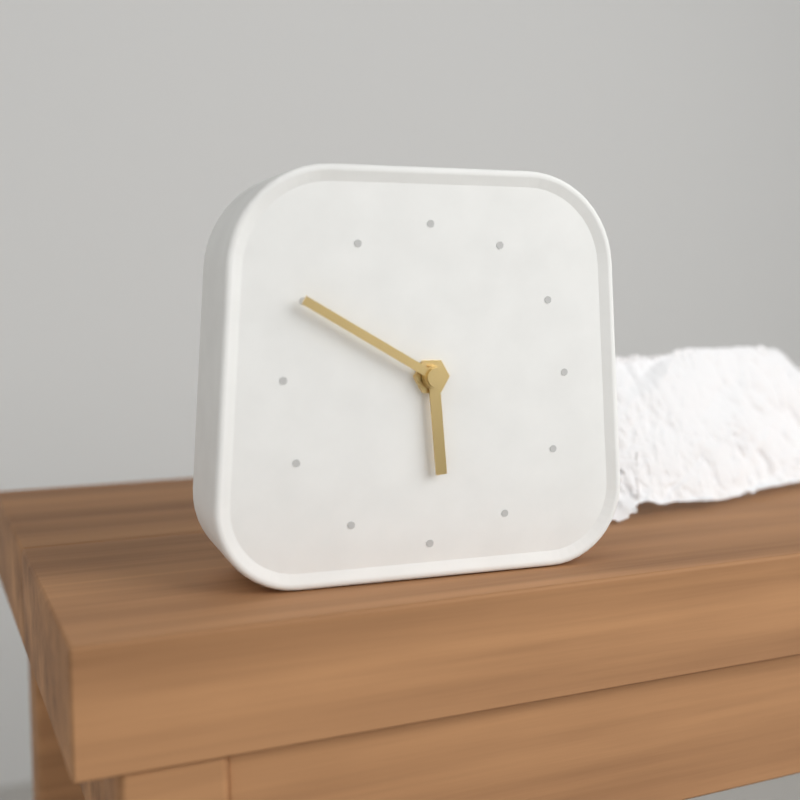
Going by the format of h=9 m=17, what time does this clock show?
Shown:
h=5 m=50
